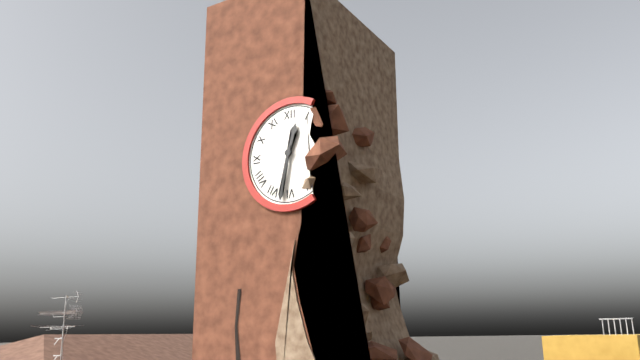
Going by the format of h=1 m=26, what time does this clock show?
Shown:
h=12 m=32
